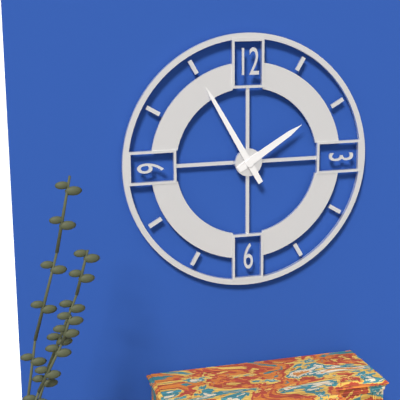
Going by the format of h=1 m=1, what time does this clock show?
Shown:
h=1 m=55
